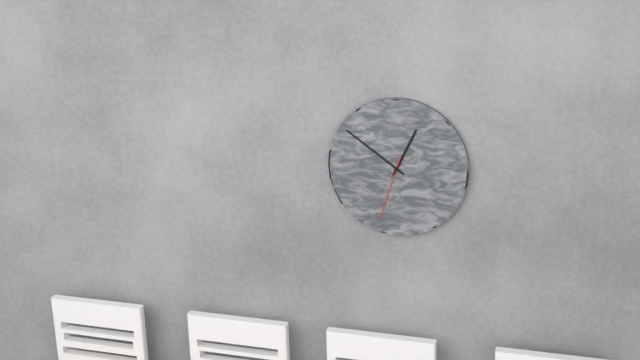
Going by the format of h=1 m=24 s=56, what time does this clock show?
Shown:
h=12 m=51 s=33
